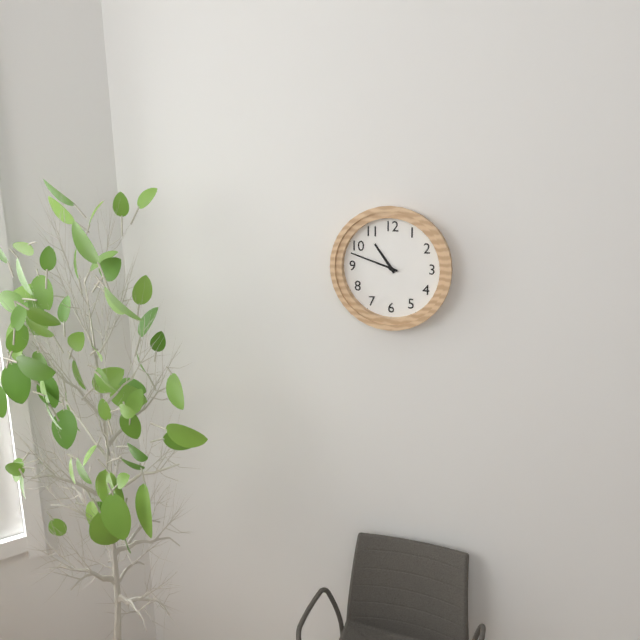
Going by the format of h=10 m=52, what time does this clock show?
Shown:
h=10 m=48
